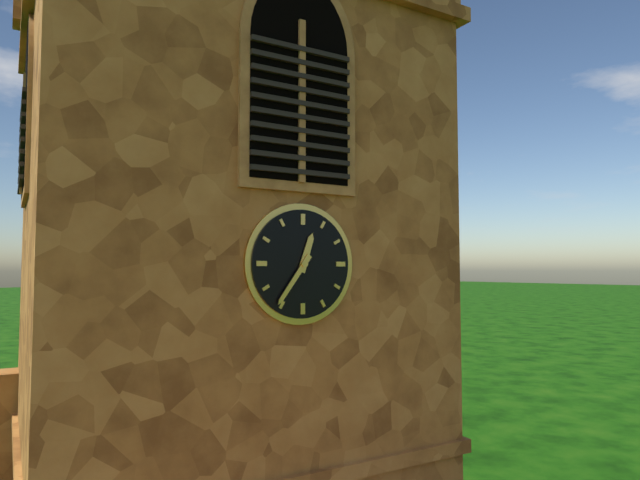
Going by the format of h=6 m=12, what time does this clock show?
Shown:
h=12 m=36
